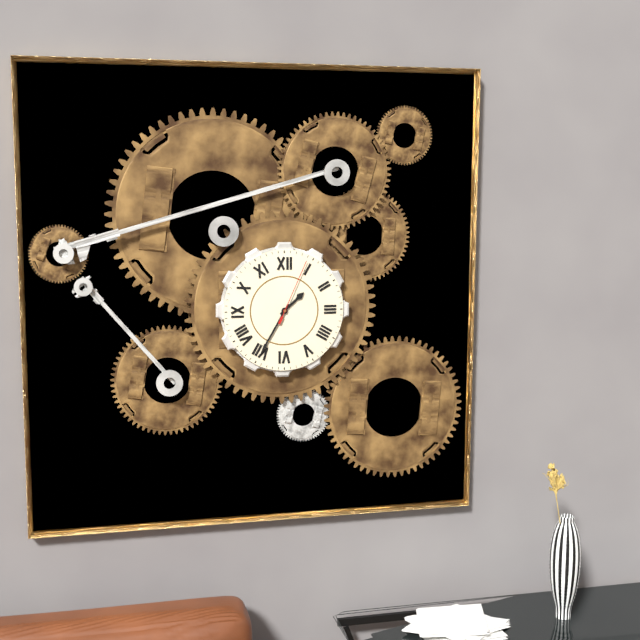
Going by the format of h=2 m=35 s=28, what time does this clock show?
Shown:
h=1 m=35 s=4
